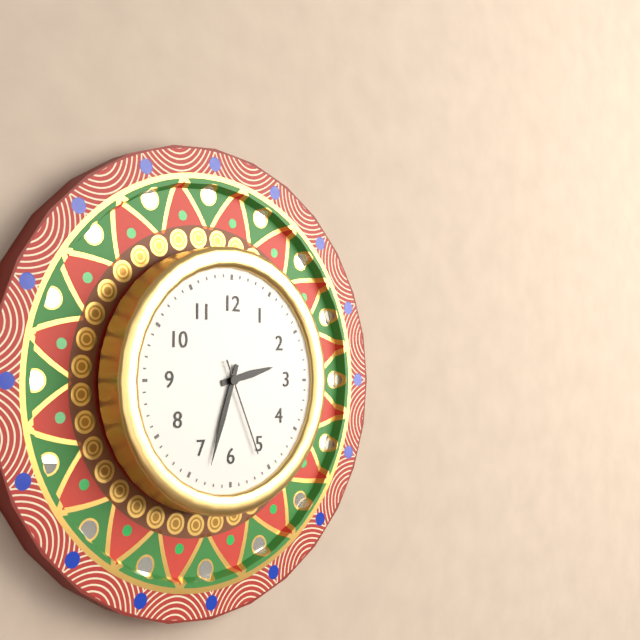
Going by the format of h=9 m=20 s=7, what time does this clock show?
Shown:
h=2 m=33 s=26
